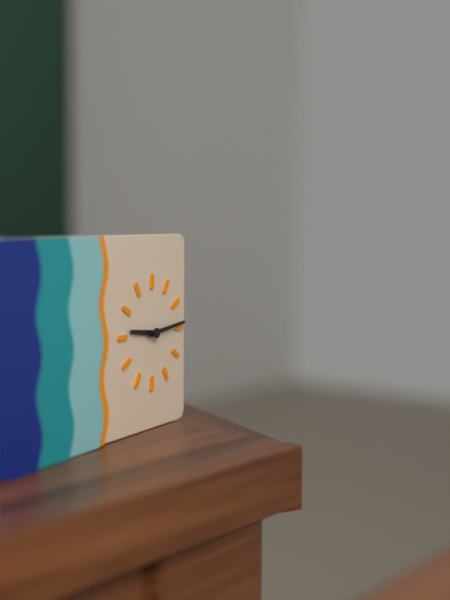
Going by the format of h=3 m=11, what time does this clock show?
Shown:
h=9 m=14
